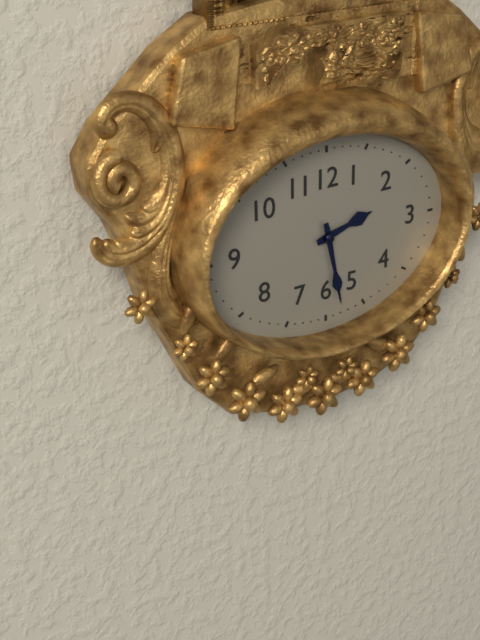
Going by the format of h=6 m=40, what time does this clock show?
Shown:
h=2 m=28
